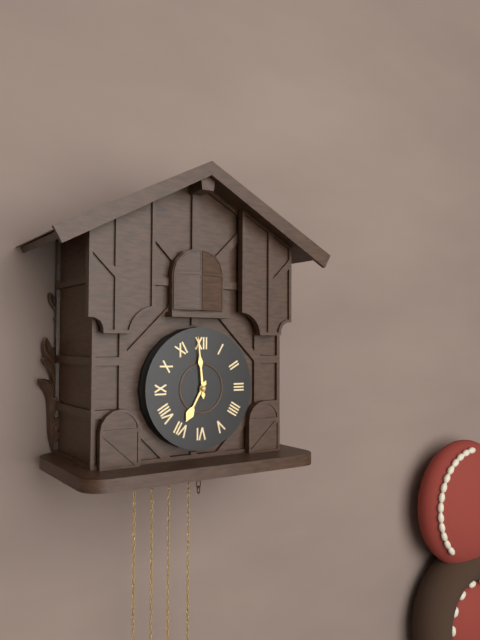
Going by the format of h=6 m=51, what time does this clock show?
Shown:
h=6 m=59
